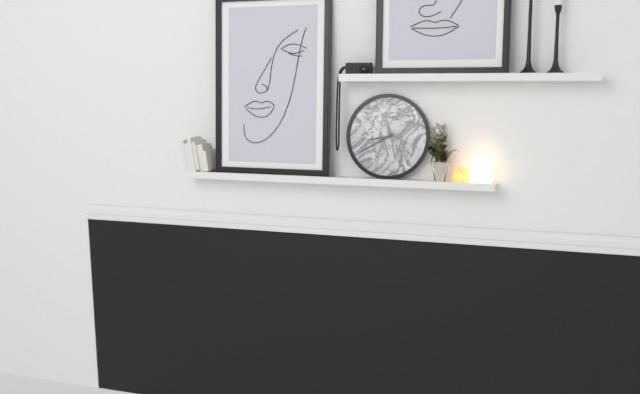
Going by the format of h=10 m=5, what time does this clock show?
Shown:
h=8 m=40
